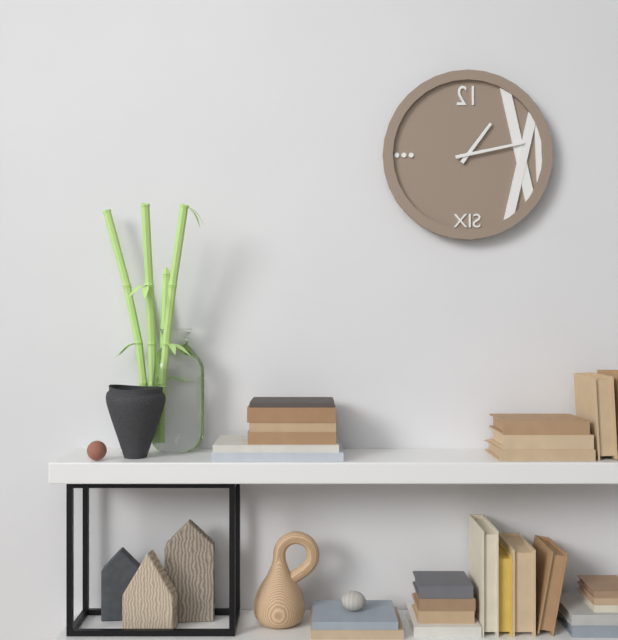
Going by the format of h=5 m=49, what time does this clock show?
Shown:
h=1 m=13
